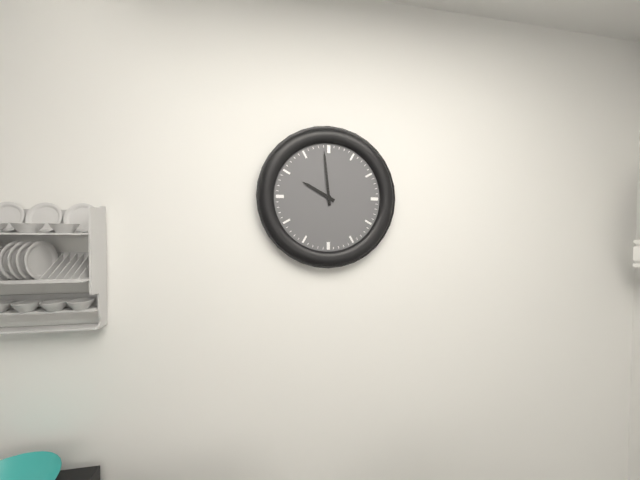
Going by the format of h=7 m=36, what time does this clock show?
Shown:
h=9 m=59
